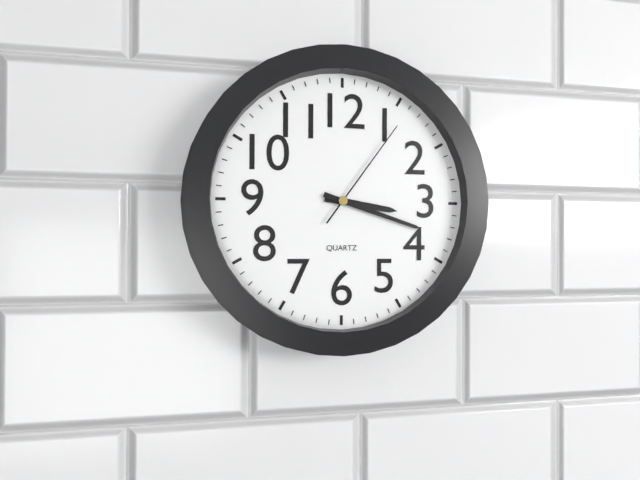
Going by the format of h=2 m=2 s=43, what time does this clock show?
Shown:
h=3 m=18 s=6
